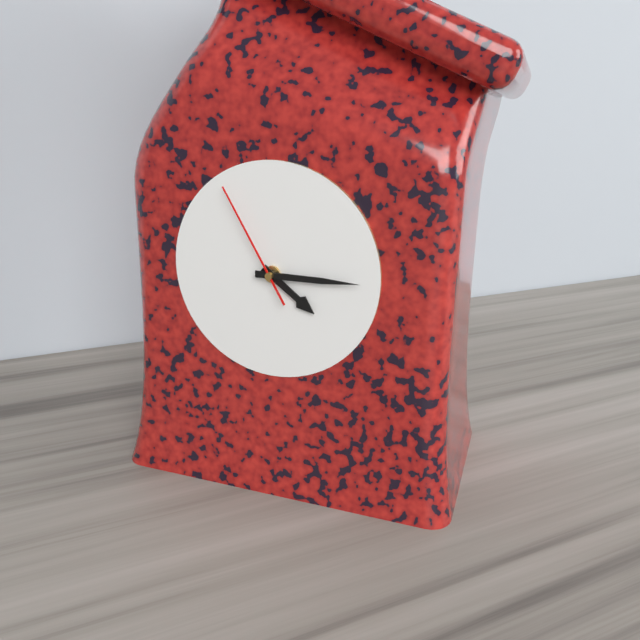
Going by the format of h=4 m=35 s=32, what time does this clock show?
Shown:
h=4 m=15 s=55
